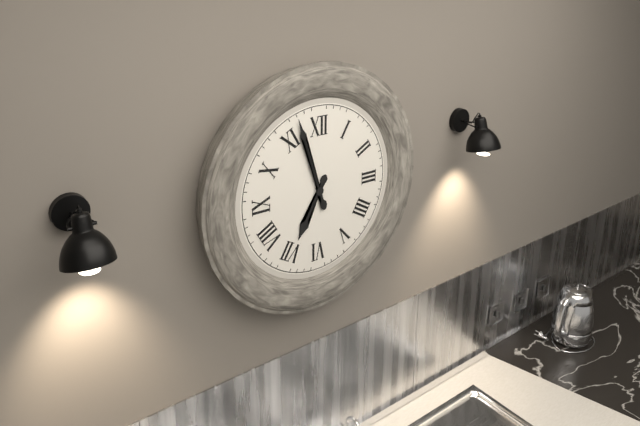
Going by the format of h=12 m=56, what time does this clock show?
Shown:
h=6 m=57
